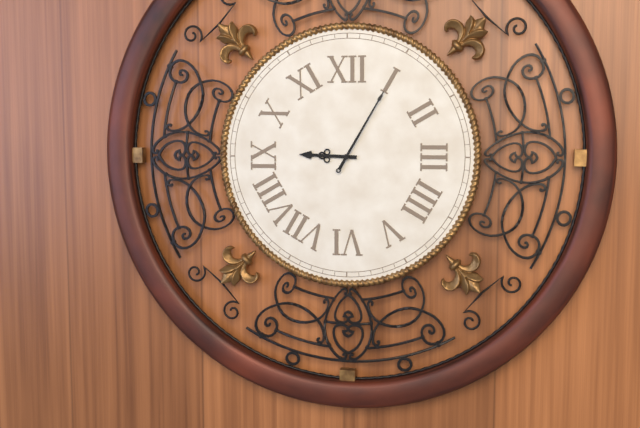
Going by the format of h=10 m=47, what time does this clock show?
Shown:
h=9 m=5
